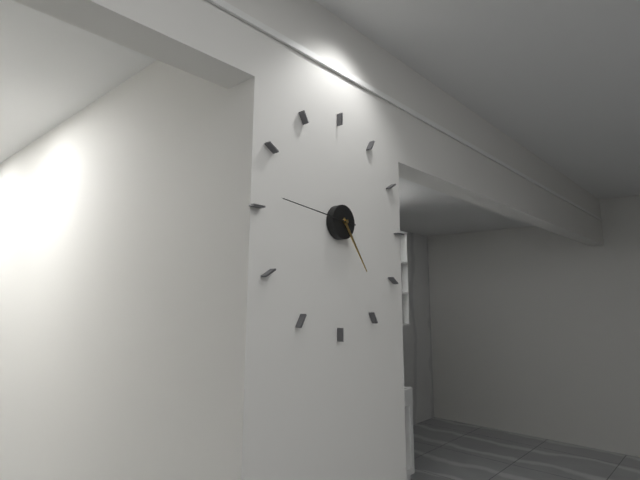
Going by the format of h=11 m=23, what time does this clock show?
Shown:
h=4 m=46
